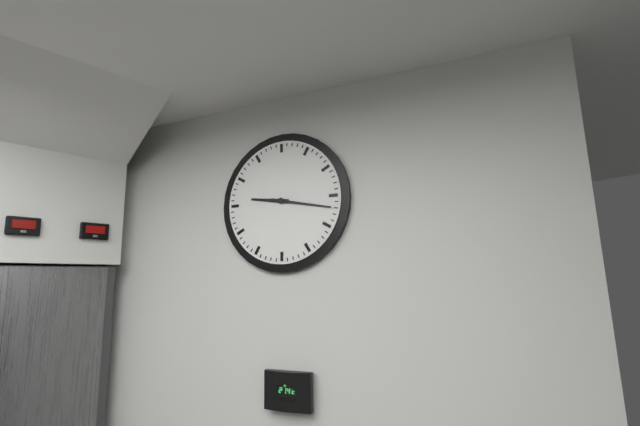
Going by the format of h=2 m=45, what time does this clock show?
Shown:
h=9 m=17
